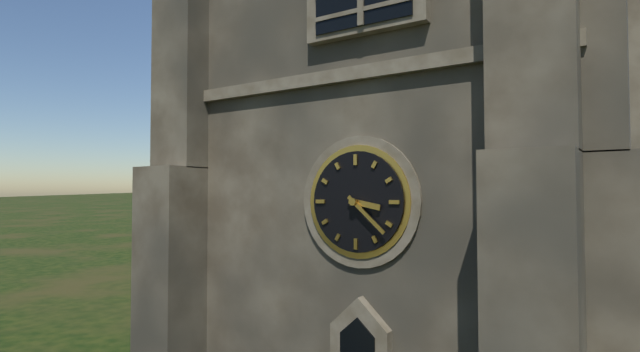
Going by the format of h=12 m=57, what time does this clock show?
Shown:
h=3 m=22
